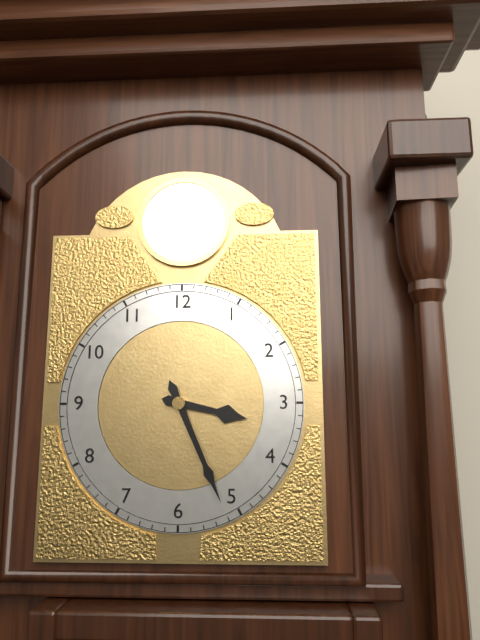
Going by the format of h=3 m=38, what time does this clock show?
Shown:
h=3 m=26
